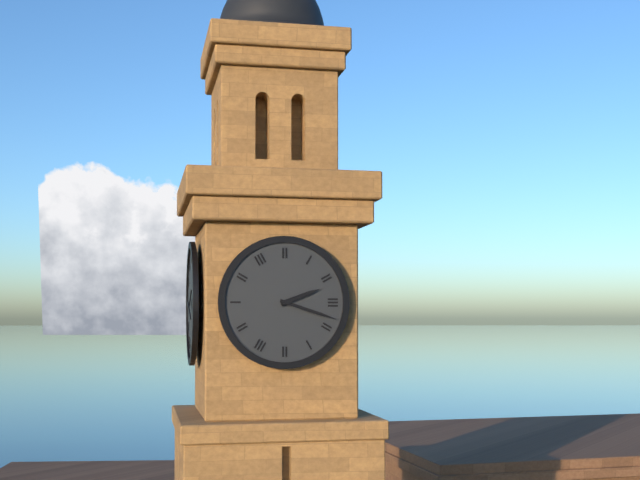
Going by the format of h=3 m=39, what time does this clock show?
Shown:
h=2 m=18
